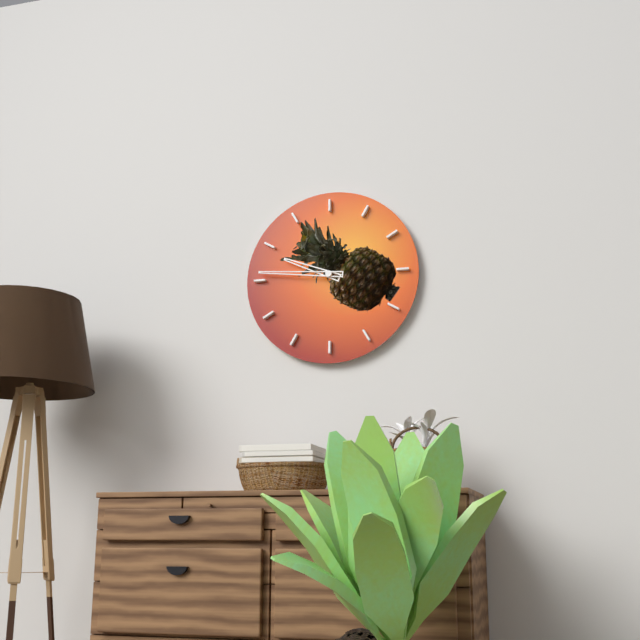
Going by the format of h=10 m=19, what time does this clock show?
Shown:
h=9 m=46
